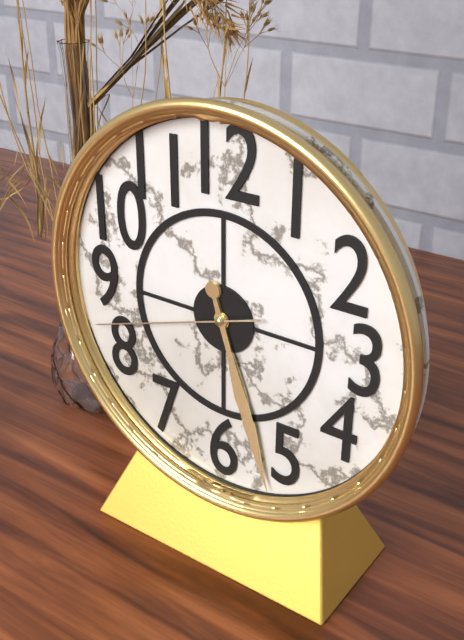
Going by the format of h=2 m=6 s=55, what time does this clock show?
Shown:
h=5 m=27 s=42
